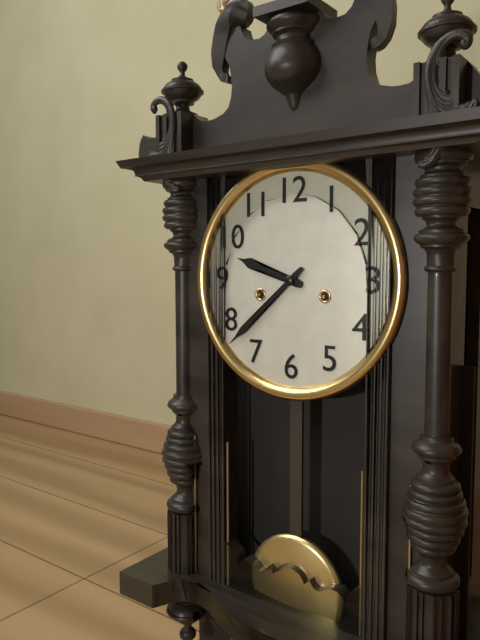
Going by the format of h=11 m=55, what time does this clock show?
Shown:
h=9 m=38
